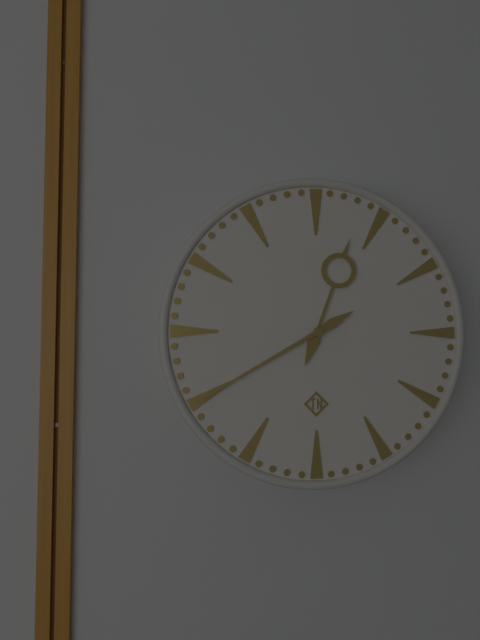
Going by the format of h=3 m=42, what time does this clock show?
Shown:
h=12 m=40
